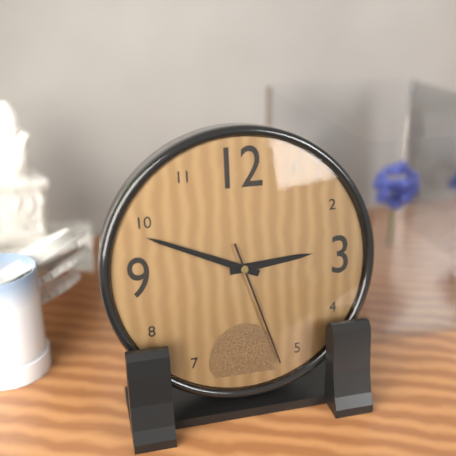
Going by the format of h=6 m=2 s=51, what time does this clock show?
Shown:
h=2 m=49 s=27
